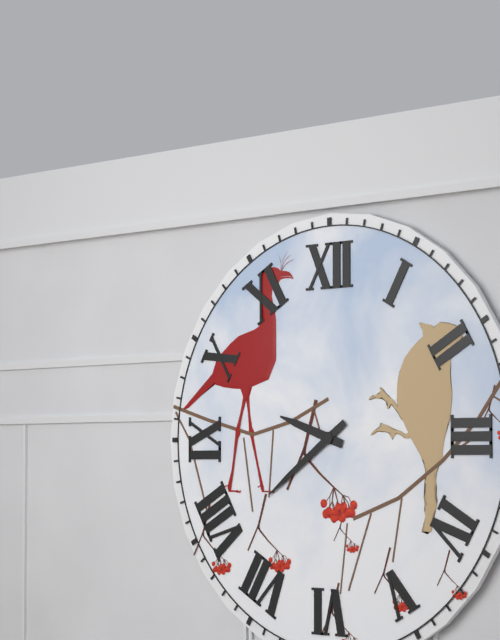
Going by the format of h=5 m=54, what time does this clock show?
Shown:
h=9 m=39
